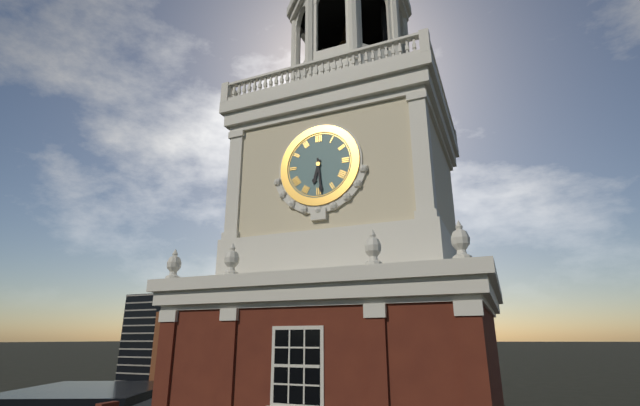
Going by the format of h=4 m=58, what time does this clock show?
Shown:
h=6 m=29
